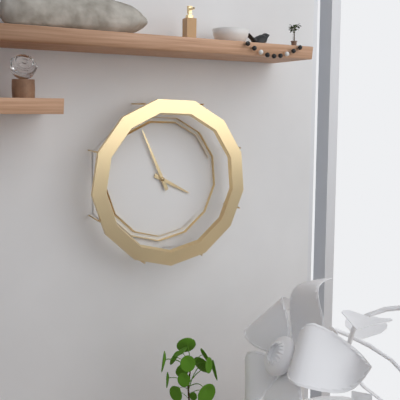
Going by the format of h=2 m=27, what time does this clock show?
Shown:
h=3 m=56
